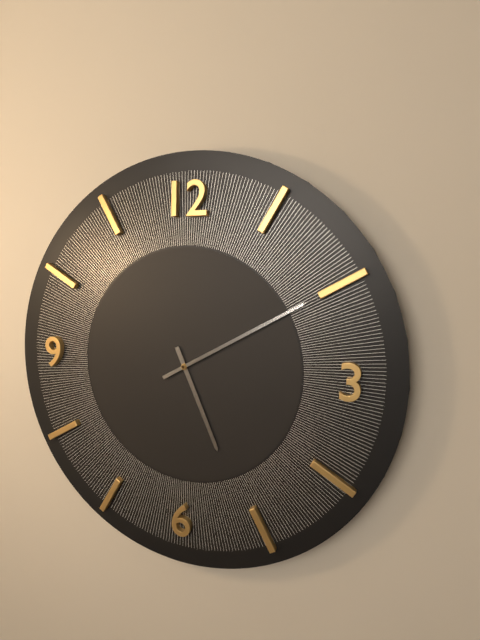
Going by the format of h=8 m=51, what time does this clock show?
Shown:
h=5 m=10
